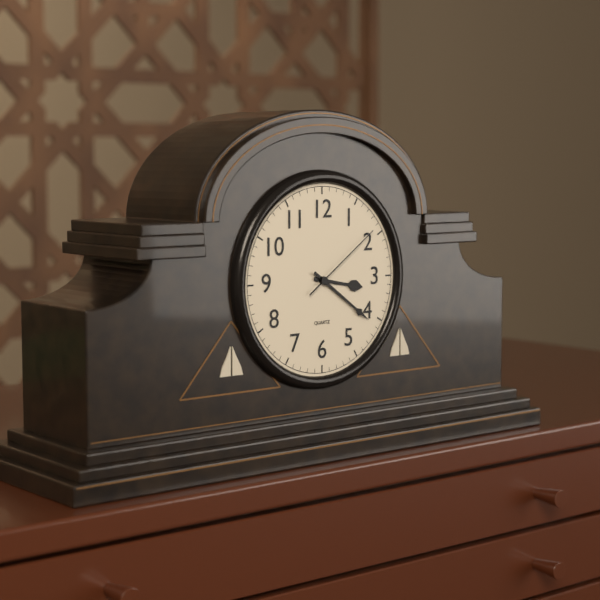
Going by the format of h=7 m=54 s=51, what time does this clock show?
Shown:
h=3 m=21 s=9
